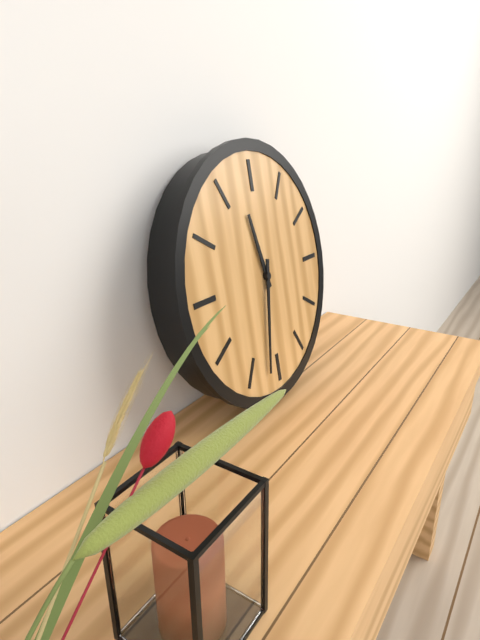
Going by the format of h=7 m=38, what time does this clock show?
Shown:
h=11 m=32
